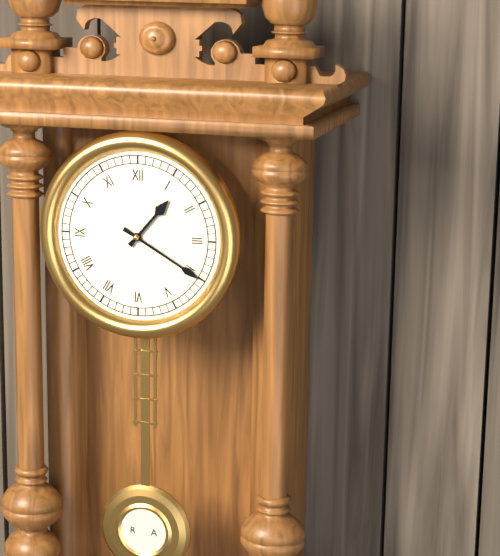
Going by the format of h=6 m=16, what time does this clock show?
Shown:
h=1 m=20
